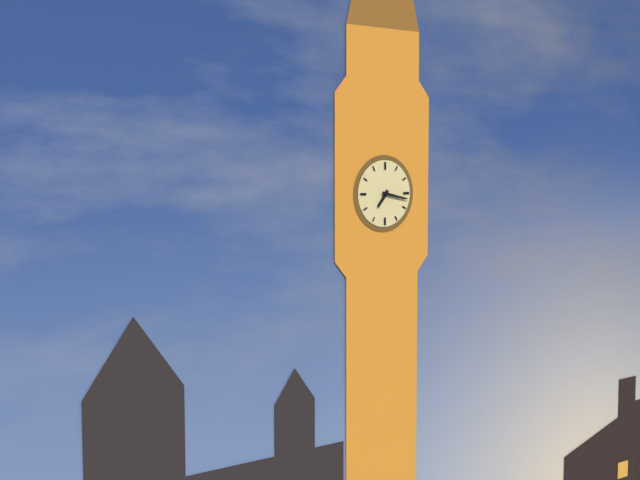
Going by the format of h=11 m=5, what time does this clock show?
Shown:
h=7 m=17
